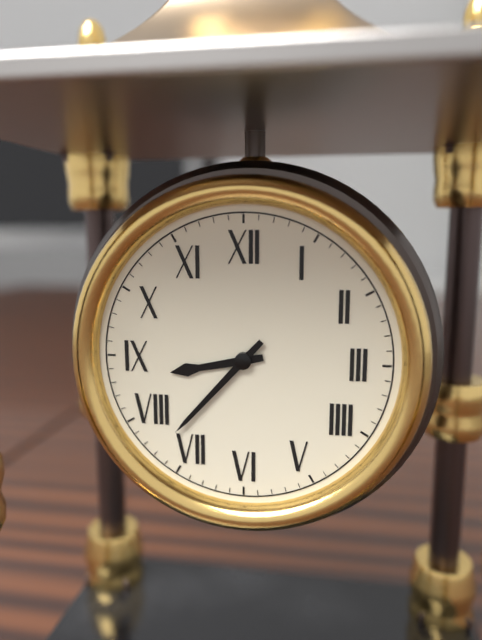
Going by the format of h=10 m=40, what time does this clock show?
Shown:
h=8 m=37
